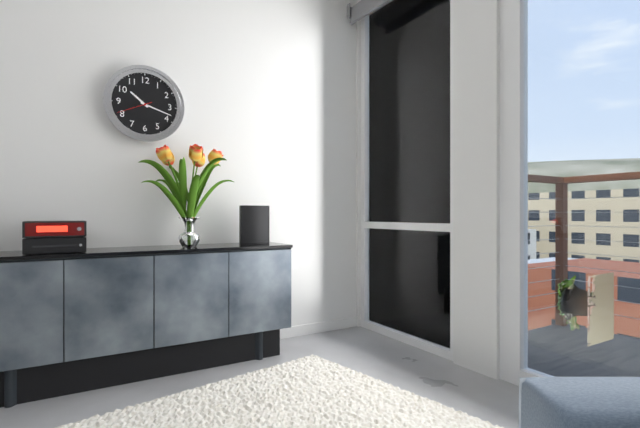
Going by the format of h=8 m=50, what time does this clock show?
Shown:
h=10 m=18
